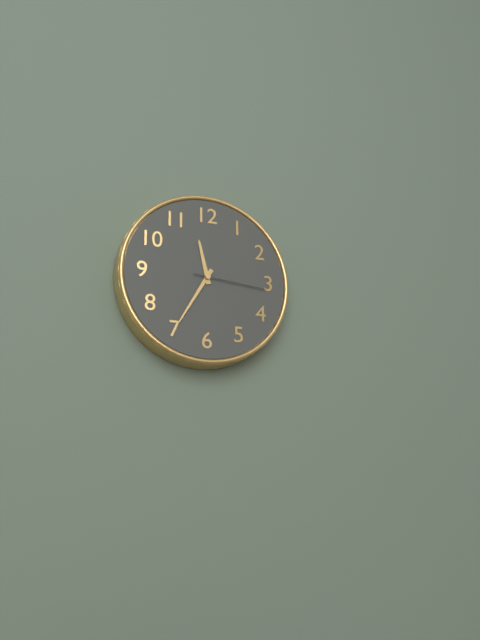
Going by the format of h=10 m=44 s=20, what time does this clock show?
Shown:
h=11 m=35 s=16
